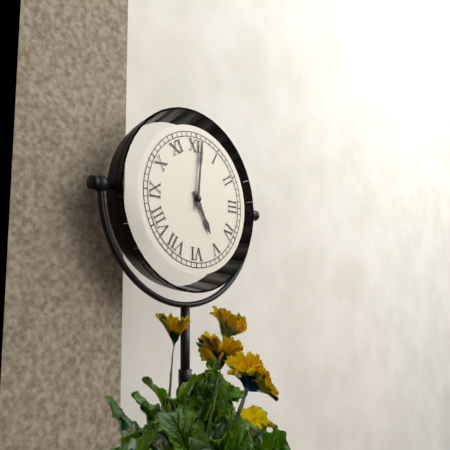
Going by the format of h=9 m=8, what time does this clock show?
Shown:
h=5 m=1
